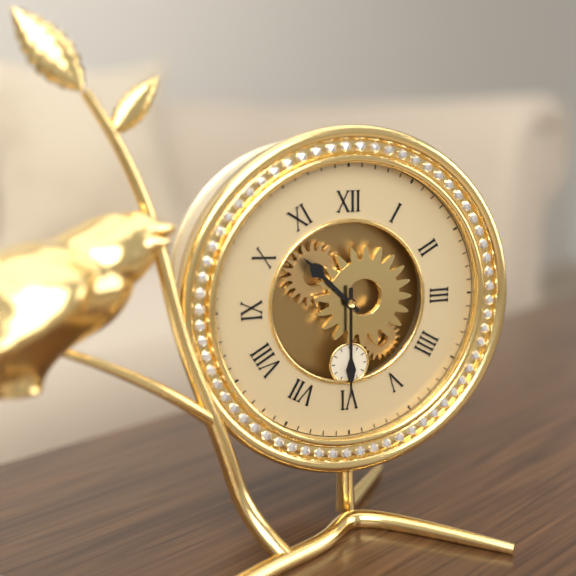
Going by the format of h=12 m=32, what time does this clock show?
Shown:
h=10 m=30
